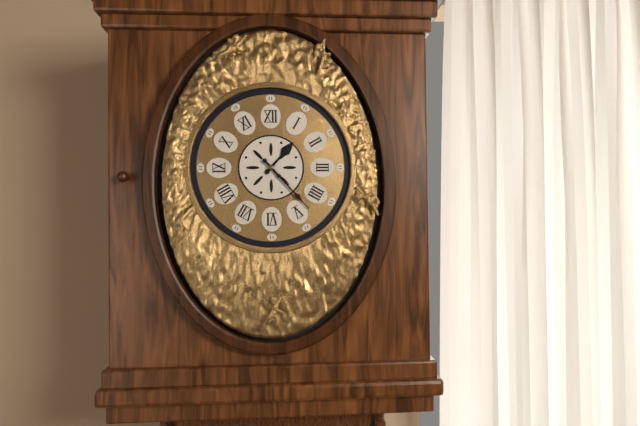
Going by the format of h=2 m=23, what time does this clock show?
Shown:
h=1 m=23
